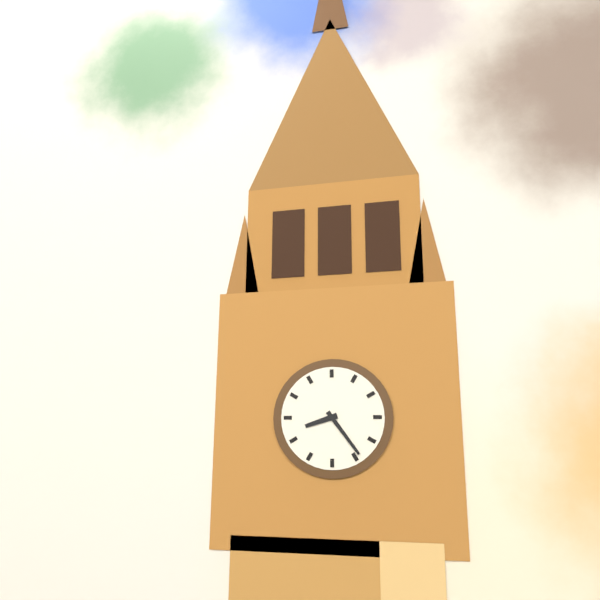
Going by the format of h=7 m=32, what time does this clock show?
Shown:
h=8 m=24
